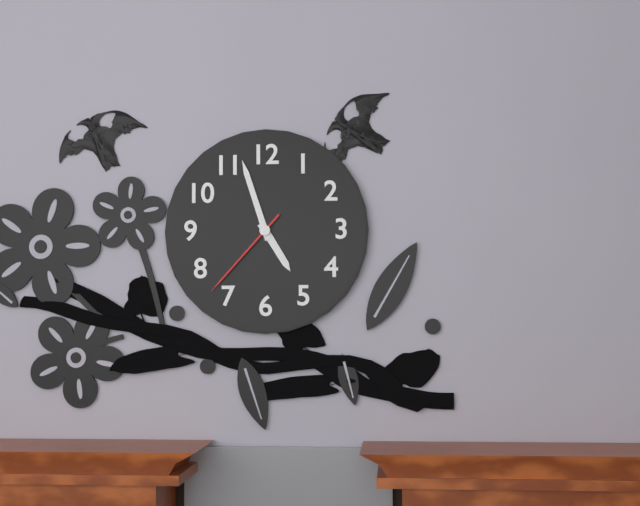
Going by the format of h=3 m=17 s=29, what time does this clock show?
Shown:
h=4 m=57 s=37
